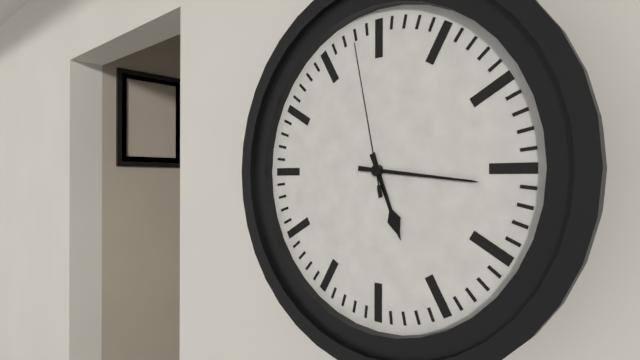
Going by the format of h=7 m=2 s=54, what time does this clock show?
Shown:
h=5 m=16 s=58
